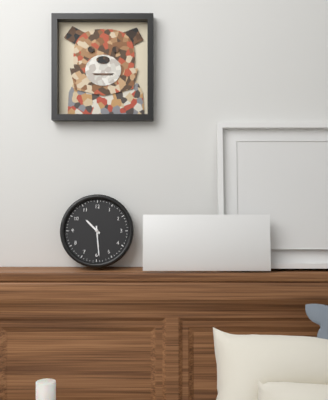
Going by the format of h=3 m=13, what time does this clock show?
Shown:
h=10 m=29
